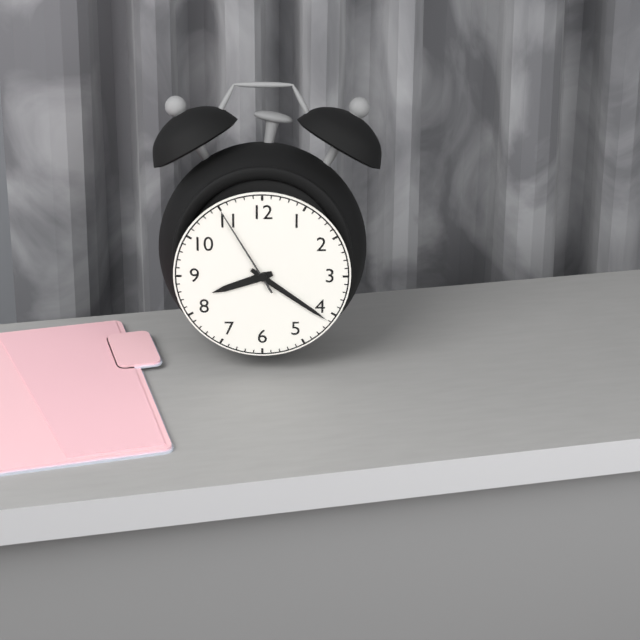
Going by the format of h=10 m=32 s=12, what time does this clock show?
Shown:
h=8 m=21 s=55
